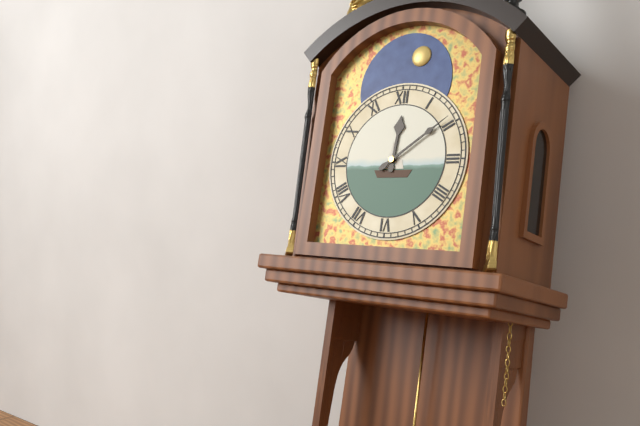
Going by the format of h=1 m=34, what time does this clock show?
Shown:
h=12 m=9
